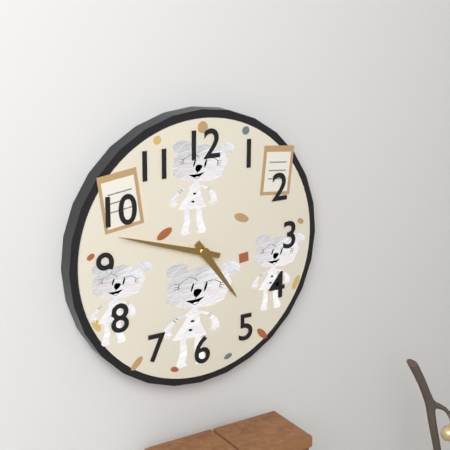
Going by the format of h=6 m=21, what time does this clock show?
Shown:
h=4 m=48
